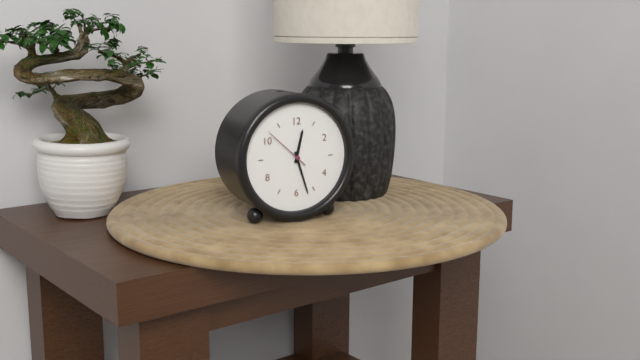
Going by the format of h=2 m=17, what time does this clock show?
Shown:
h=12 m=27
